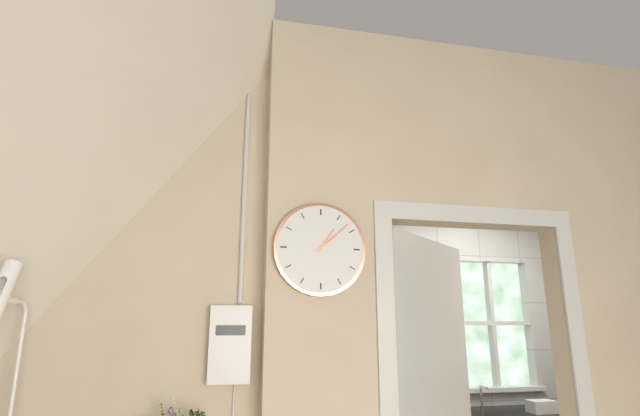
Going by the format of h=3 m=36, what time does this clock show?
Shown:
h=1 m=8
